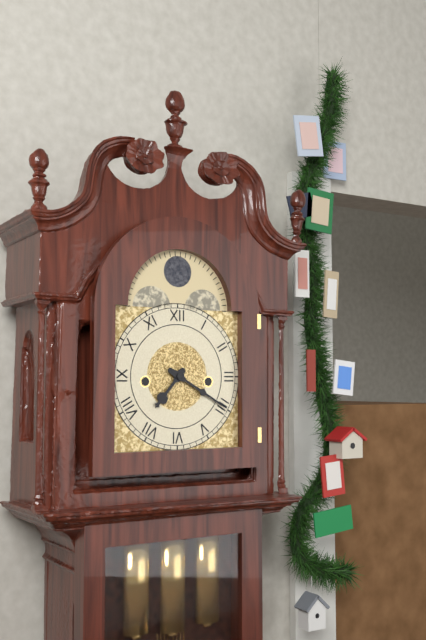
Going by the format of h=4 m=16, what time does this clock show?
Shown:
h=7 m=20
